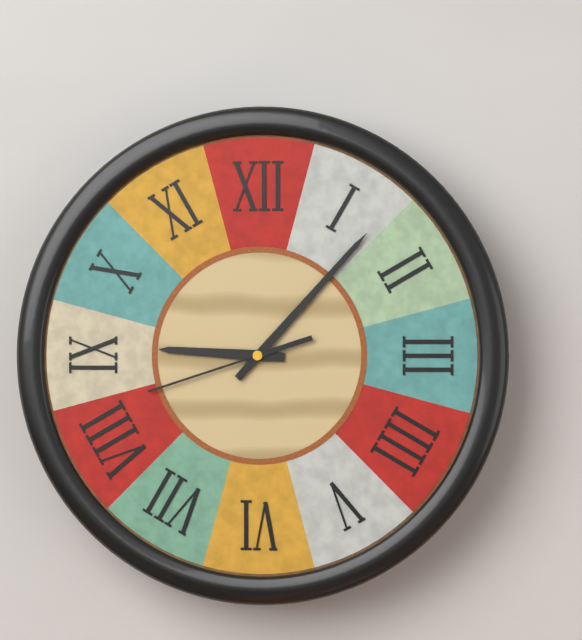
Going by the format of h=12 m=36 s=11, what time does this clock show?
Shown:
h=9 m=7 s=42
